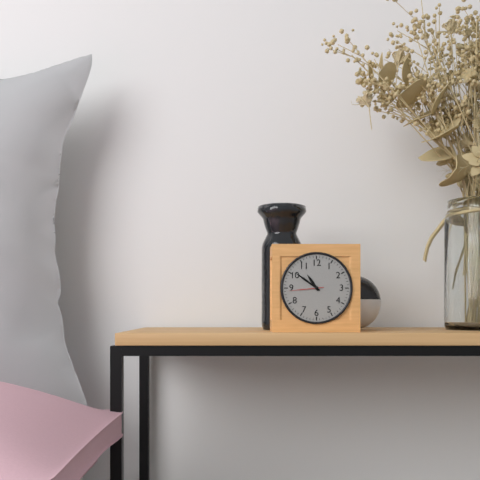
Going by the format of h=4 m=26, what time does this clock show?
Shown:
h=10 m=51
